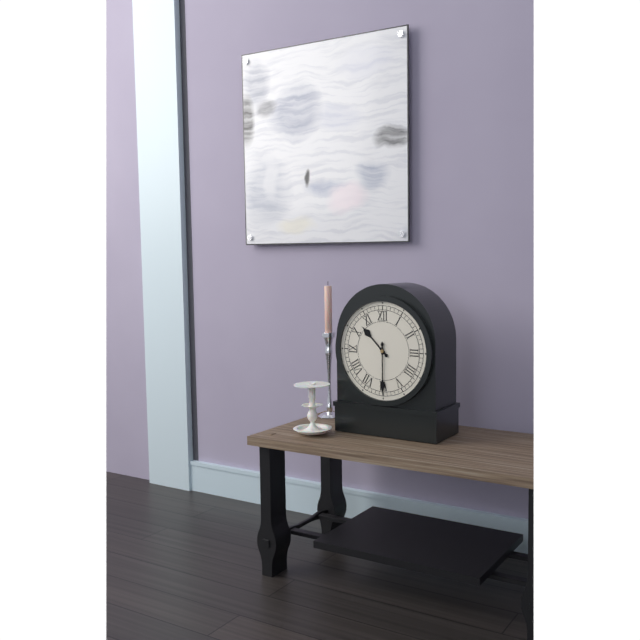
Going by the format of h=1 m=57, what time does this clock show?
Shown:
h=10 m=30
